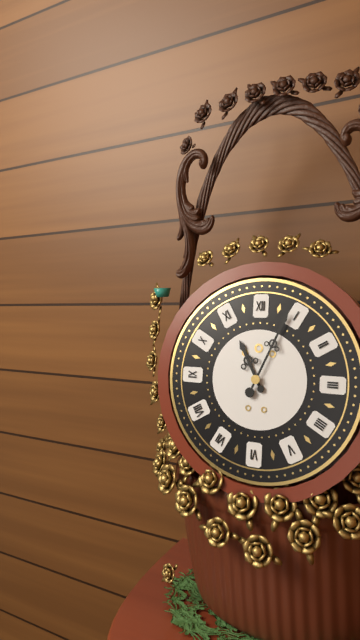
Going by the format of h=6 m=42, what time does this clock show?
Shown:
h=11 m=4
